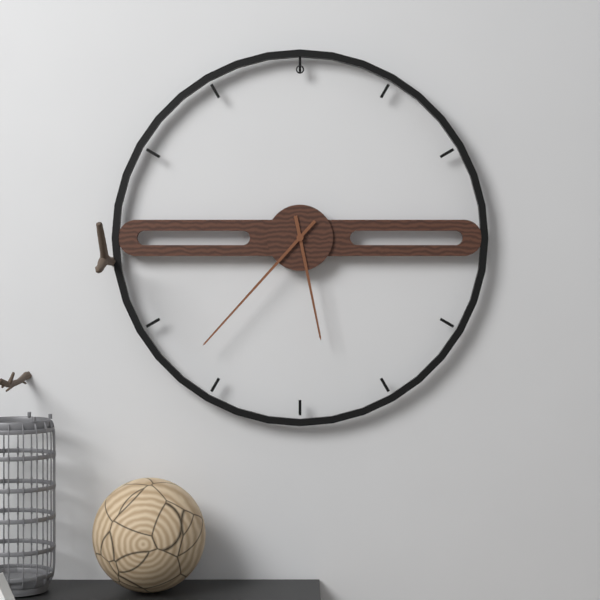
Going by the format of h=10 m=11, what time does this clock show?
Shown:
h=5 m=37
